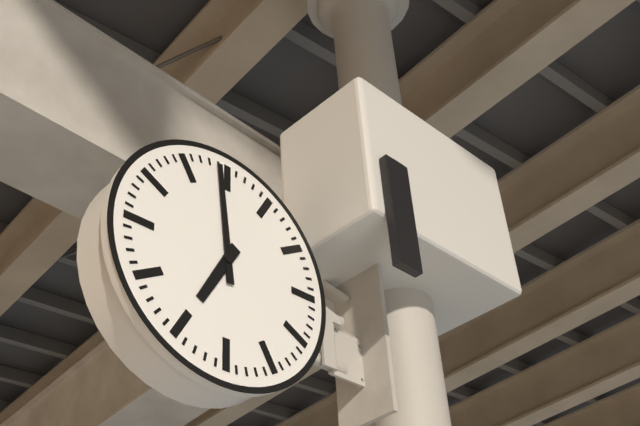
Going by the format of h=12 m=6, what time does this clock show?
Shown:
h=6 m=59
